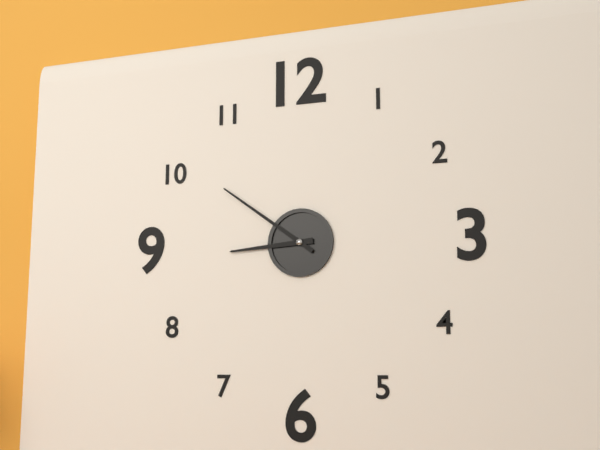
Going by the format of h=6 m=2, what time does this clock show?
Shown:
h=8 m=51
